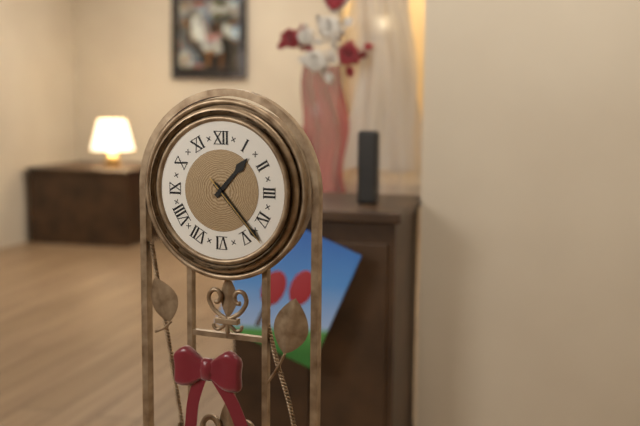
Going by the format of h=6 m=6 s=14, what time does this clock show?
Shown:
h=1 m=23 s=23
